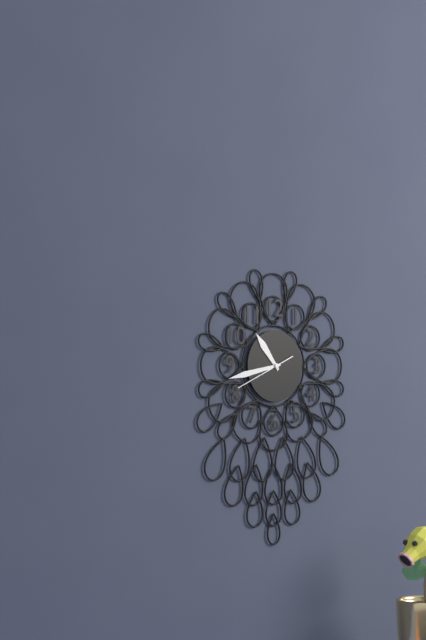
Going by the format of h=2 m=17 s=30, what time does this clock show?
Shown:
h=10 m=43 s=41
